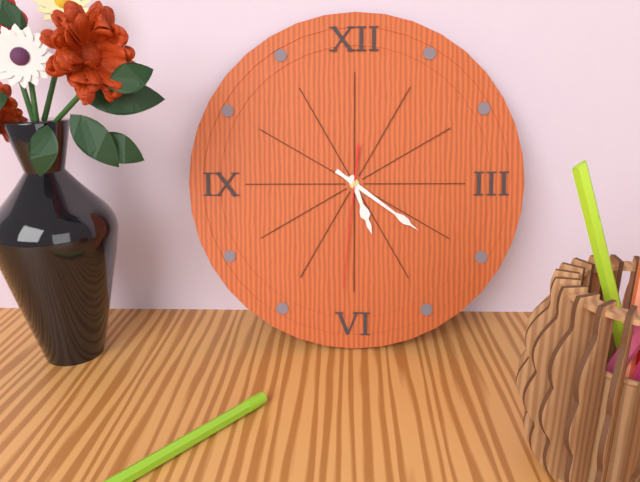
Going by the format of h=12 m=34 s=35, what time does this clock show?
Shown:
h=5 m=21 s=31
